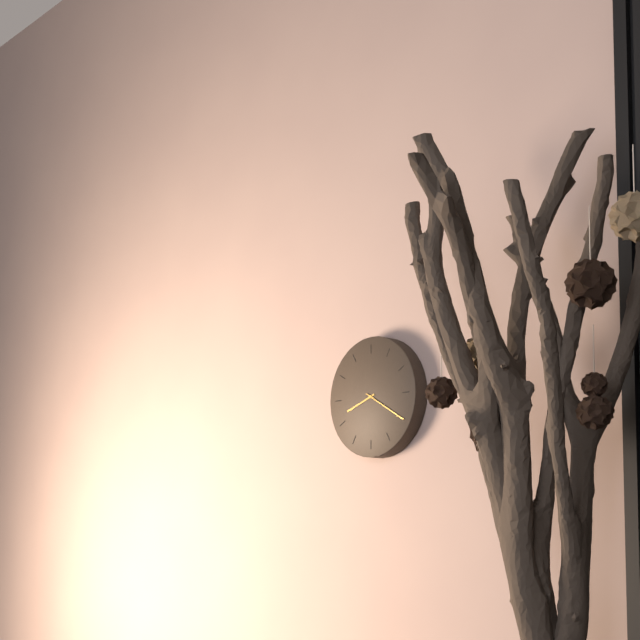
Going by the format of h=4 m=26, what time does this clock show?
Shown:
h=8 m=20
